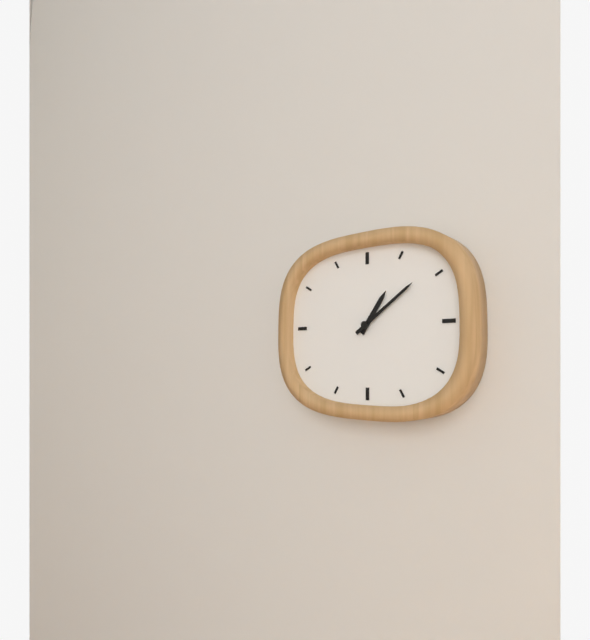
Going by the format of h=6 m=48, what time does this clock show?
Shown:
h=1 m=9
